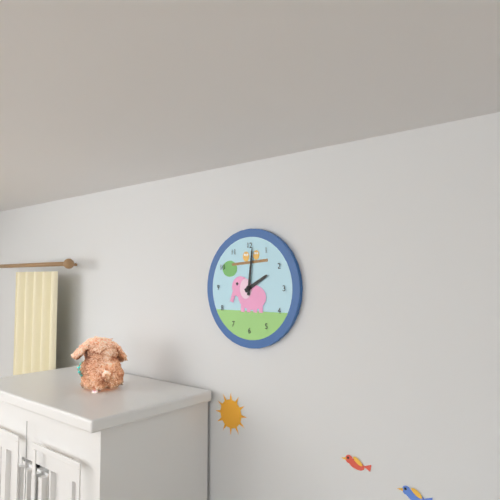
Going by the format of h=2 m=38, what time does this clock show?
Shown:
h=2 m=1
